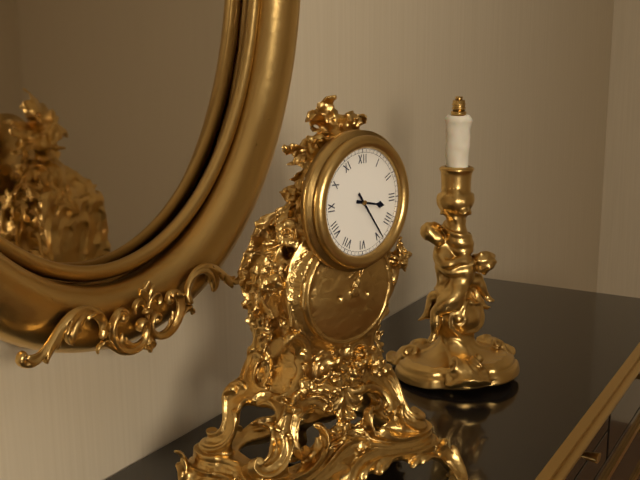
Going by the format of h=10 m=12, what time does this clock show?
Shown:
h=3 m=24
